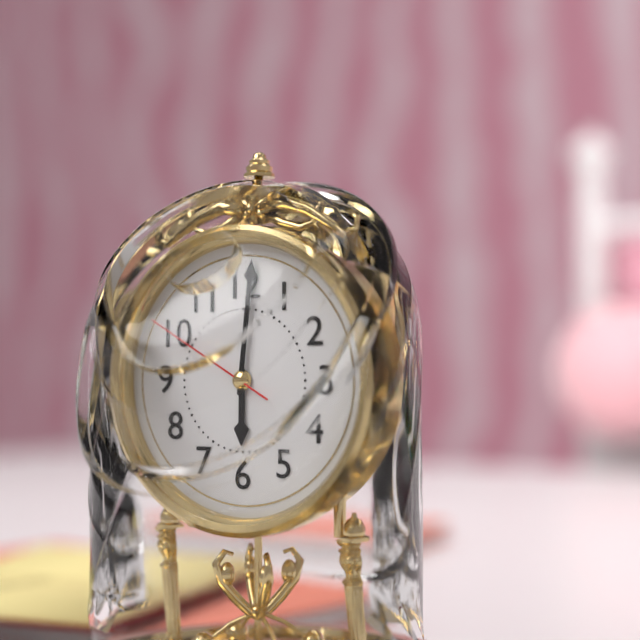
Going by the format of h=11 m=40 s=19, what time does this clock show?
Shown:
h=6 m=1 s=50
